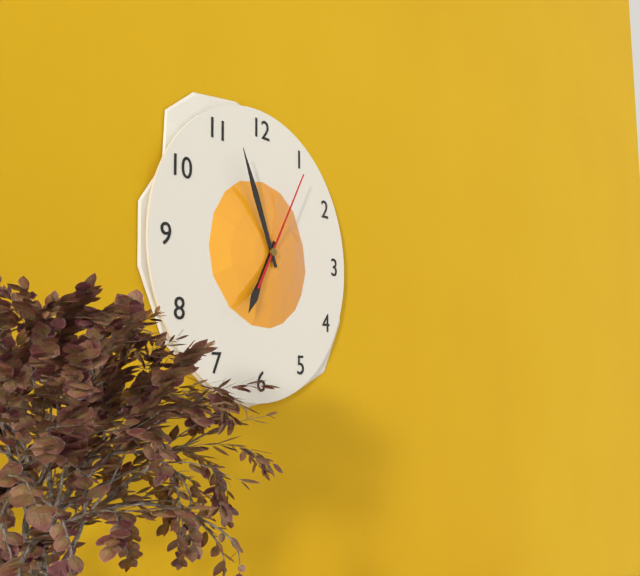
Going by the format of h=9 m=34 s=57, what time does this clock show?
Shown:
h=6 m=56 s=5
